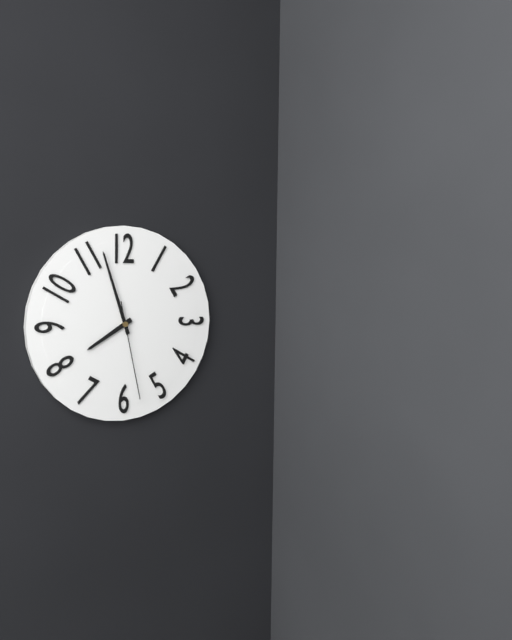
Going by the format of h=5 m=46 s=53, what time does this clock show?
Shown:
h=7 m=57 s=28
